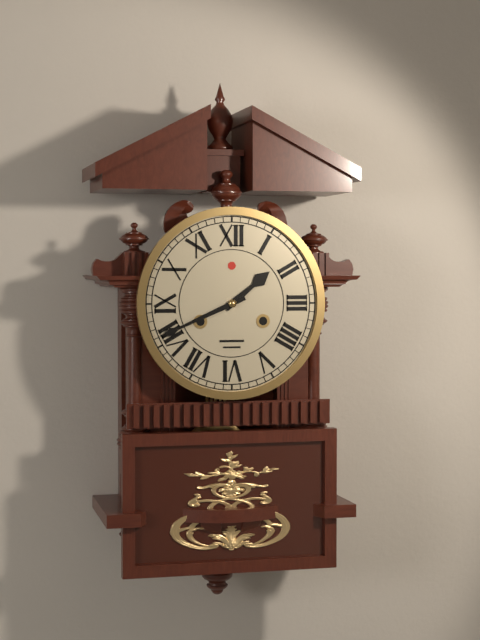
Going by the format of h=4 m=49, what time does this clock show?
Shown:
h=1 m=41
